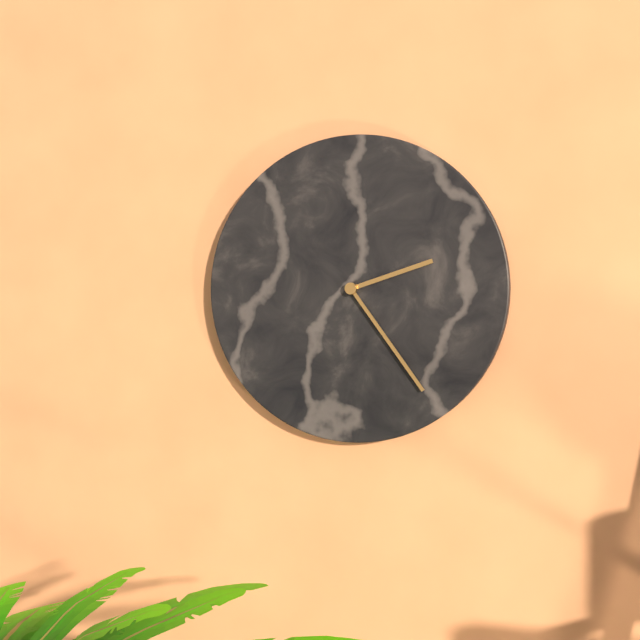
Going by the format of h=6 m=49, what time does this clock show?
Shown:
h=2 m=24
